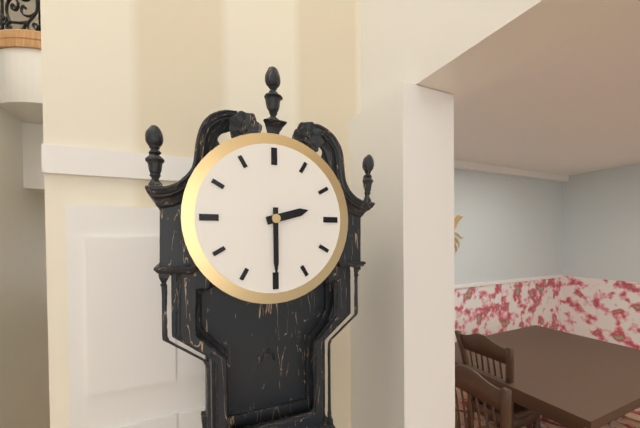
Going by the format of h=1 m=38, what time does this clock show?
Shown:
h=2 m=30
